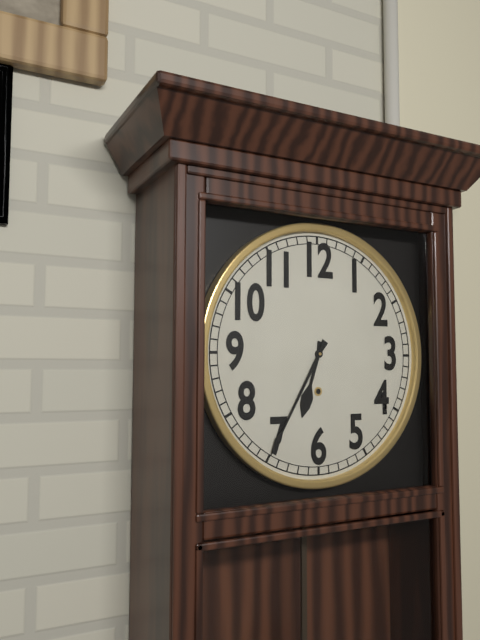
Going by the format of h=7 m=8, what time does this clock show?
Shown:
h=6 m=35
